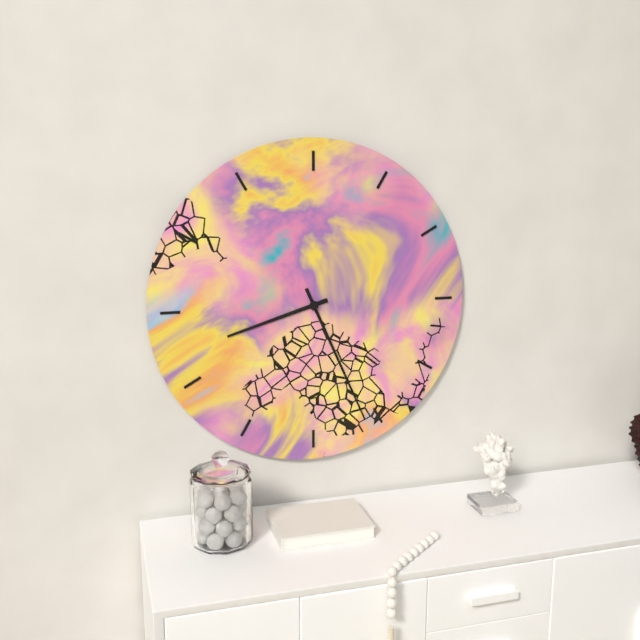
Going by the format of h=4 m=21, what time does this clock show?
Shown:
h=8 m=26
